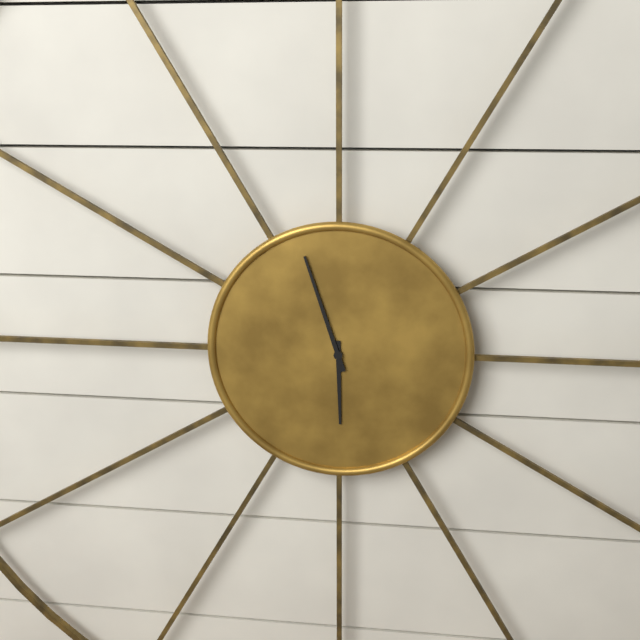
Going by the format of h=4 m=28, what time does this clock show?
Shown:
h=5 m=57
